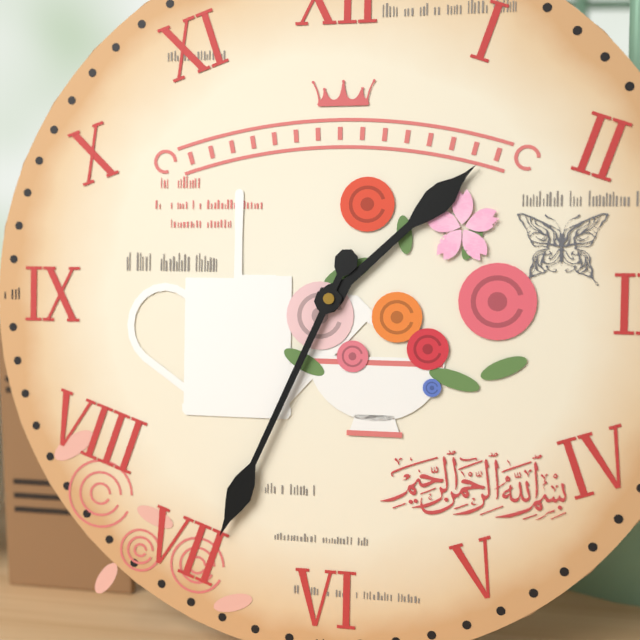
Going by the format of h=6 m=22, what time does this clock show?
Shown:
h=1 m=34
